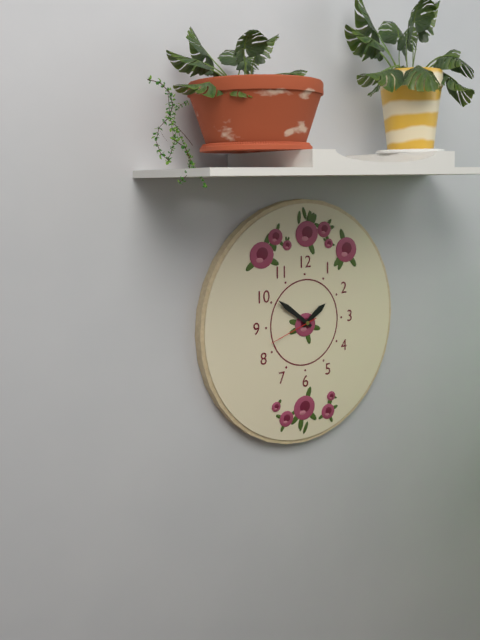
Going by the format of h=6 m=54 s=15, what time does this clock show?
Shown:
h=1 m=51 s=42
